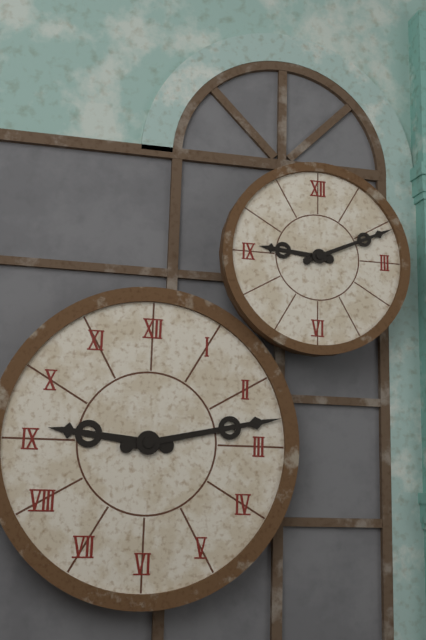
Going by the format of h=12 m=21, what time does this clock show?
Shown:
h=9 m=11
